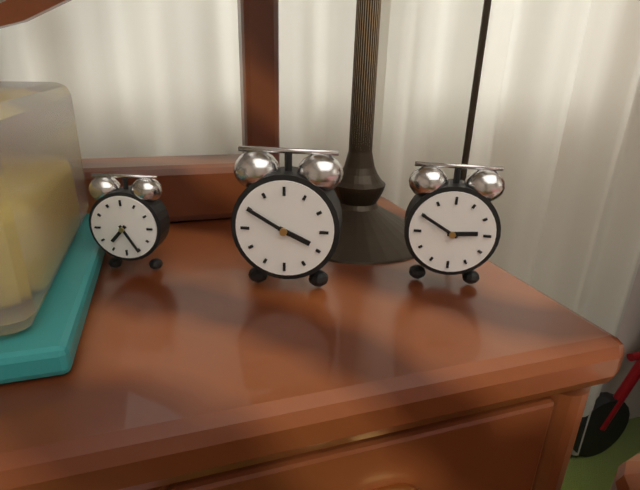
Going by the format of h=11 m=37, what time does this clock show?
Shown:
h=3 m=50
